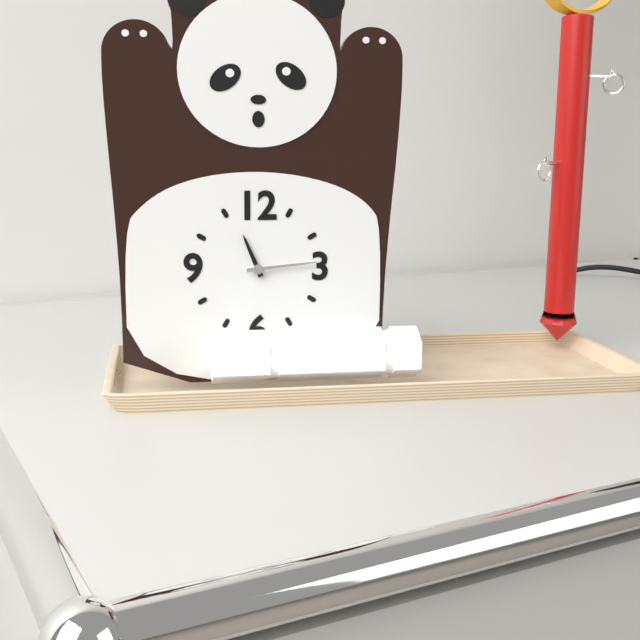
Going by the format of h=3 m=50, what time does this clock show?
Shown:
h=11 m=14
